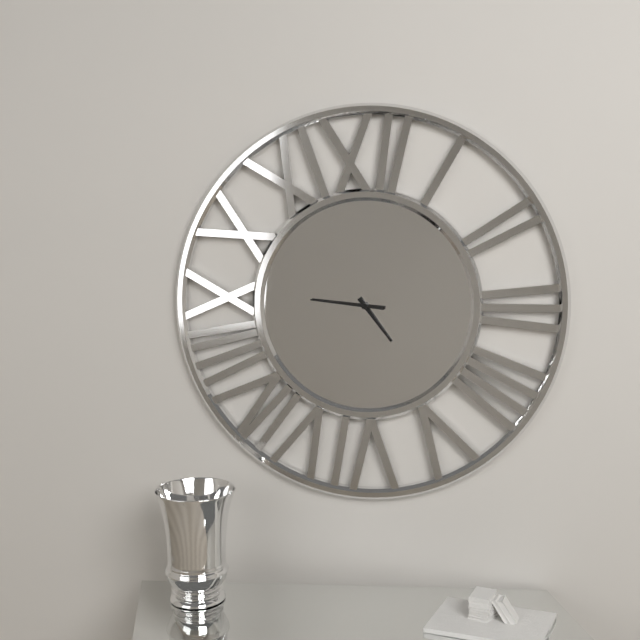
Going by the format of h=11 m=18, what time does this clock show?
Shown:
h=4 m=46
